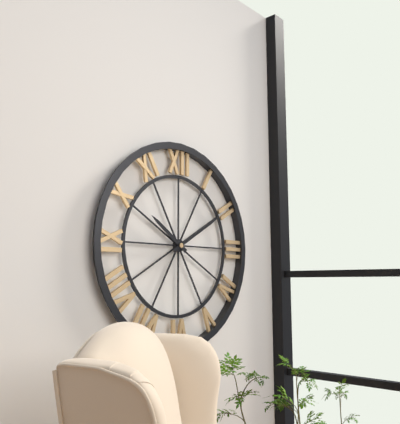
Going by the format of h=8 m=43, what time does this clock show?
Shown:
h=10 m=10
